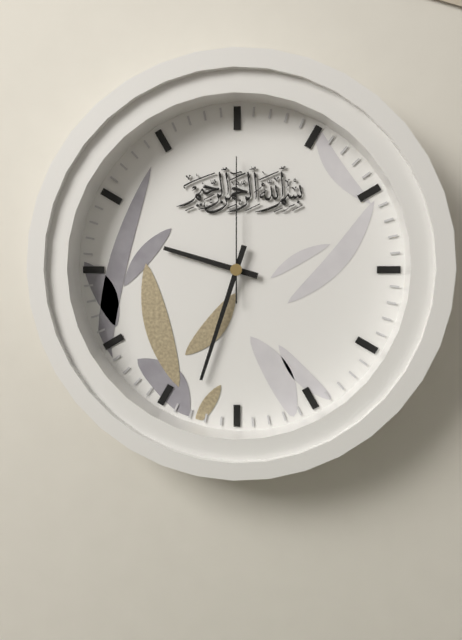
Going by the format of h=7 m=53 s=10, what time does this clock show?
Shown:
h=9 m=33 s=0
